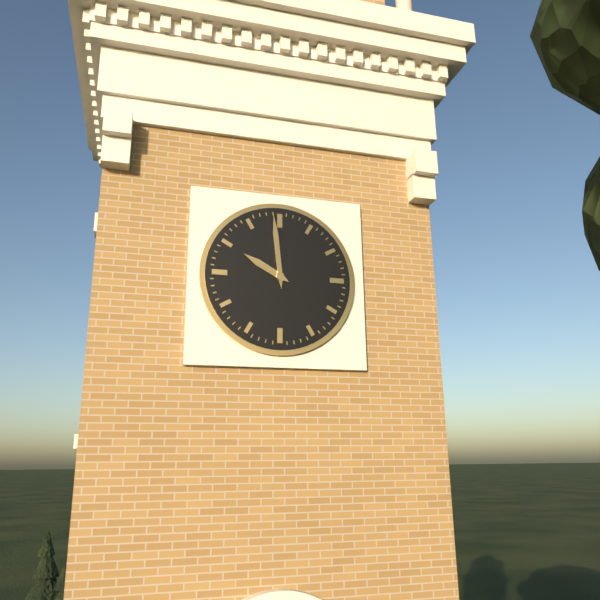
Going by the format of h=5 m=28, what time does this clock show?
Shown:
h=9 m=59
